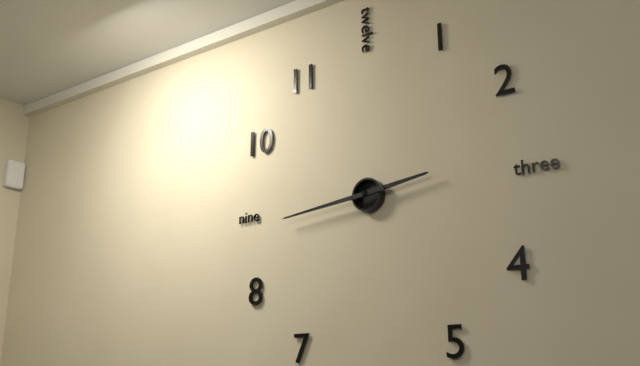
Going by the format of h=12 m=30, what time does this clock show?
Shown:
h=2 m=44
